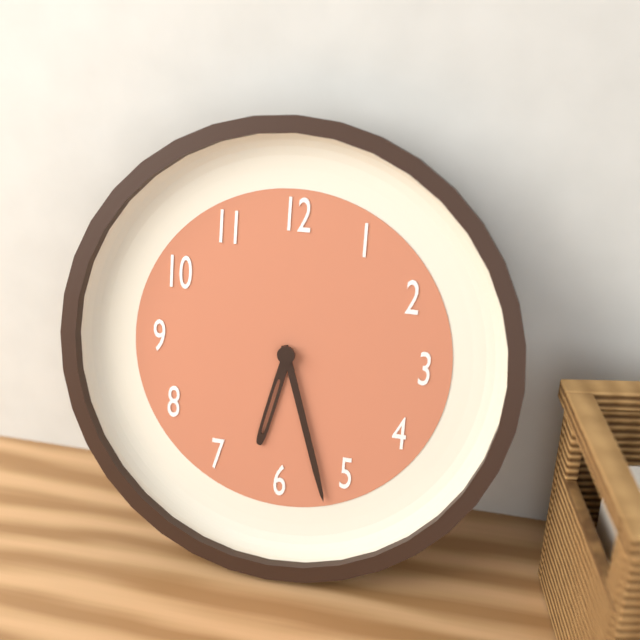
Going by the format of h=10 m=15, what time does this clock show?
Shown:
h=6 m=27
